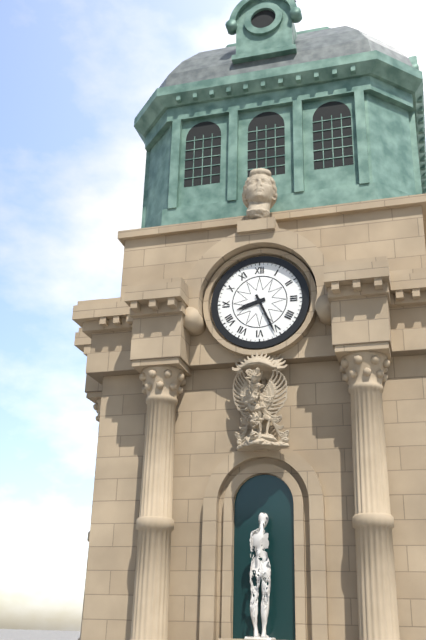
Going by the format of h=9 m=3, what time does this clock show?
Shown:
h=8 m=26
